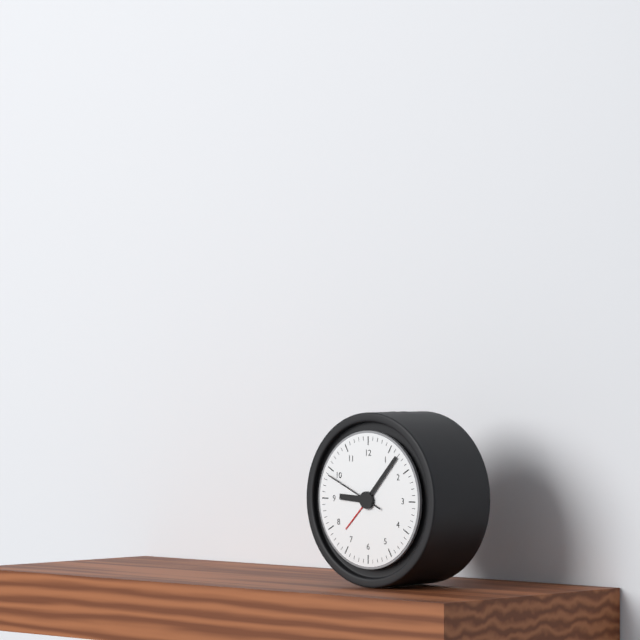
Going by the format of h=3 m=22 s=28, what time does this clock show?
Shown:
h=9 m=7 s=49
